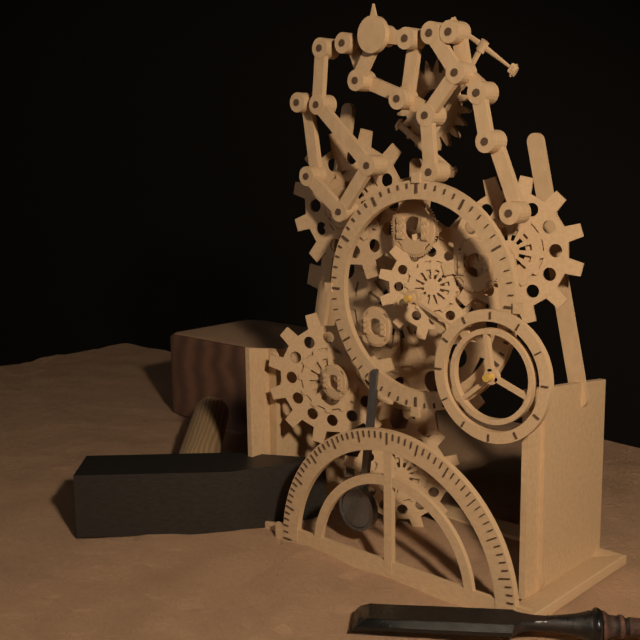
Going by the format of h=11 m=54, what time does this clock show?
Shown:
h=4 m=19
